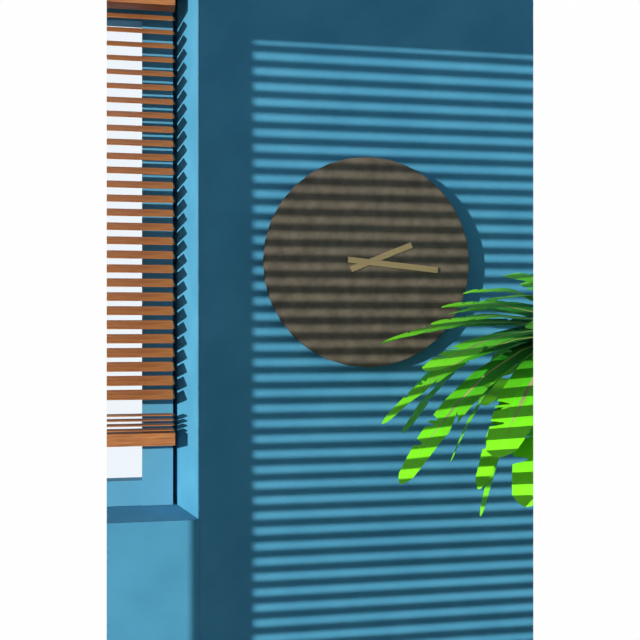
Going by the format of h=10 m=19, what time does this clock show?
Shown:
h=2 m=16
